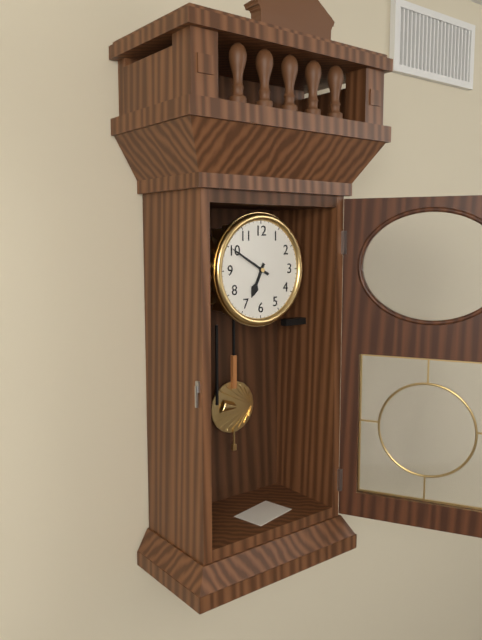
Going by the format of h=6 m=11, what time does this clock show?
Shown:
h=6 m=50
